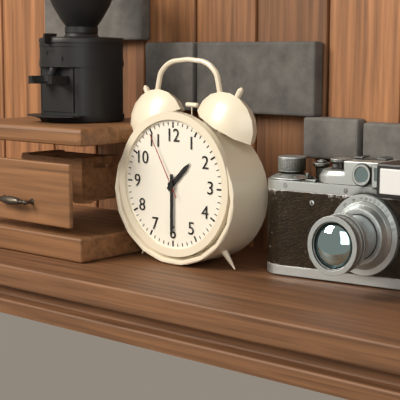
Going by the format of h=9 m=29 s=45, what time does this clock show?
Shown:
h=1 m=30 s=55
